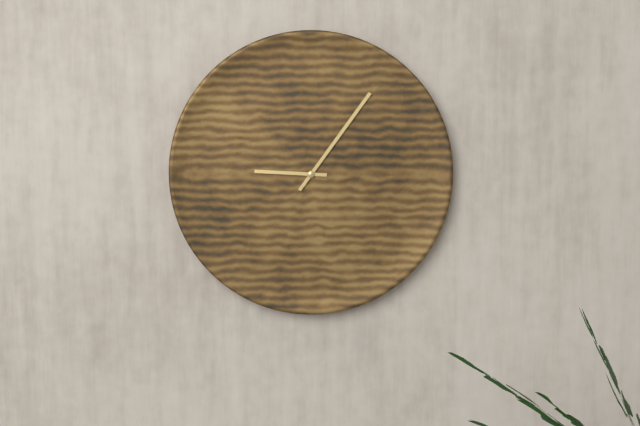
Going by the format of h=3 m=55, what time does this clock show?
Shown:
h=9 m=6
